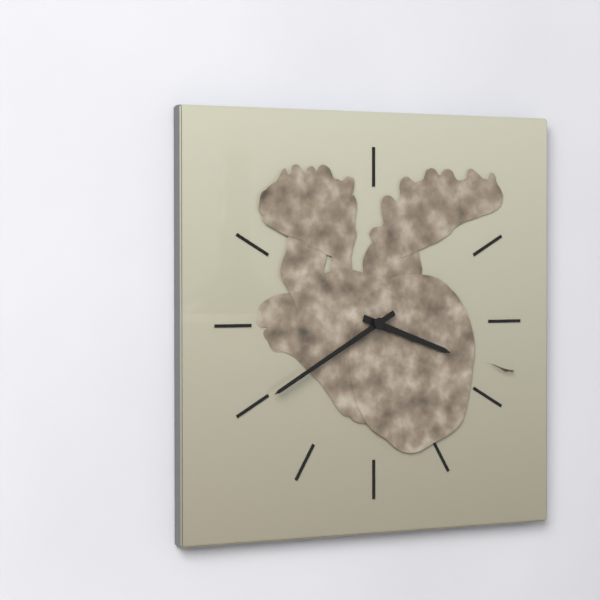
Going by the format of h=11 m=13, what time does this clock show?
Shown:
h=3 m=40
